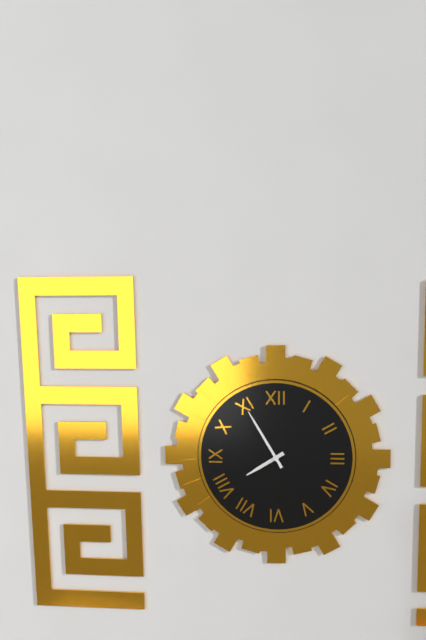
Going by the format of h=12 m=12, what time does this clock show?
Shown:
h=7 m=55
